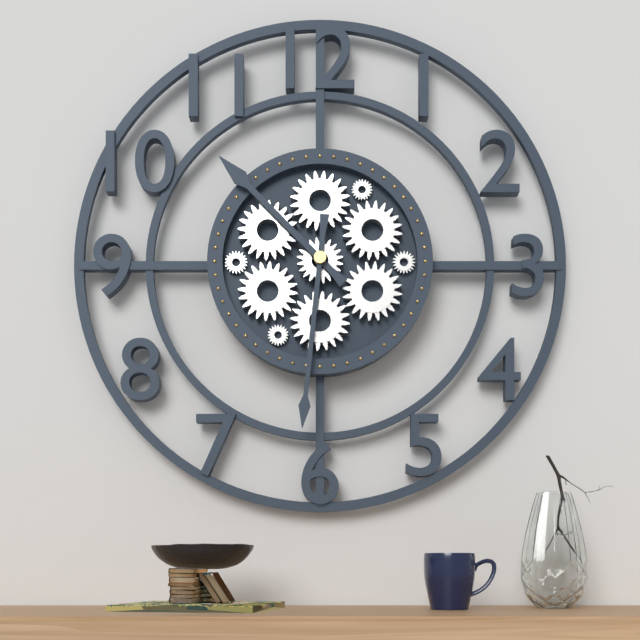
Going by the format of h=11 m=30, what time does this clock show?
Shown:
h=10 m=31
